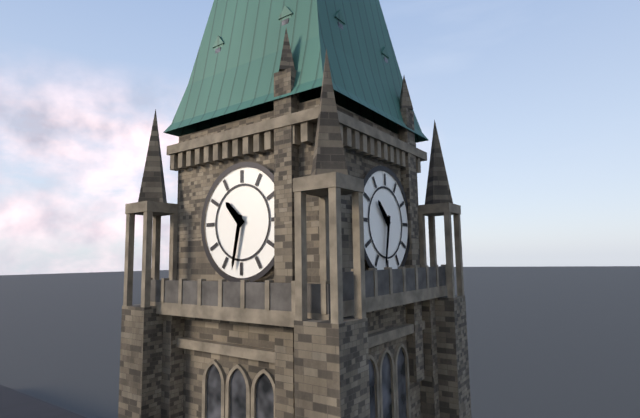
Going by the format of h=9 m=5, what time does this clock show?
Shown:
h=10 m=32
